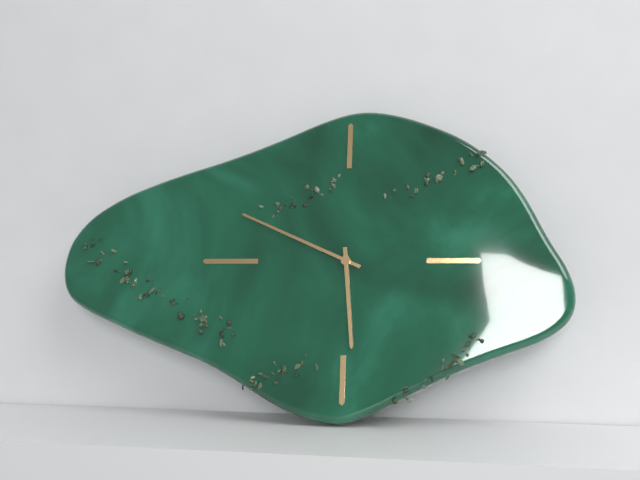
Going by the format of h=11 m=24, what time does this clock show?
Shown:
h=5 m=49
